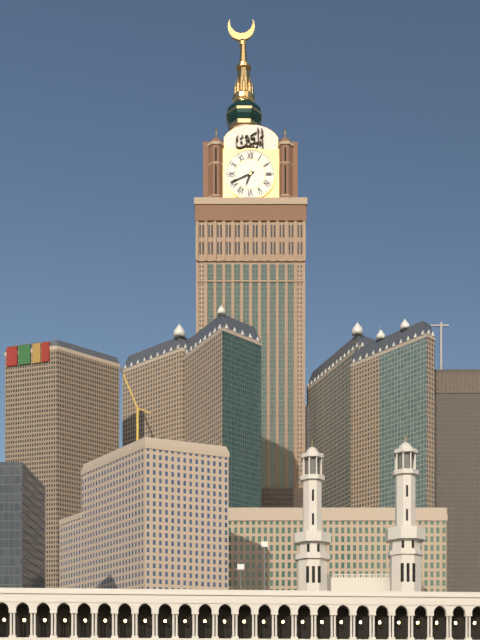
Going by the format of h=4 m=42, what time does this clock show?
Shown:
h=6 m=41
